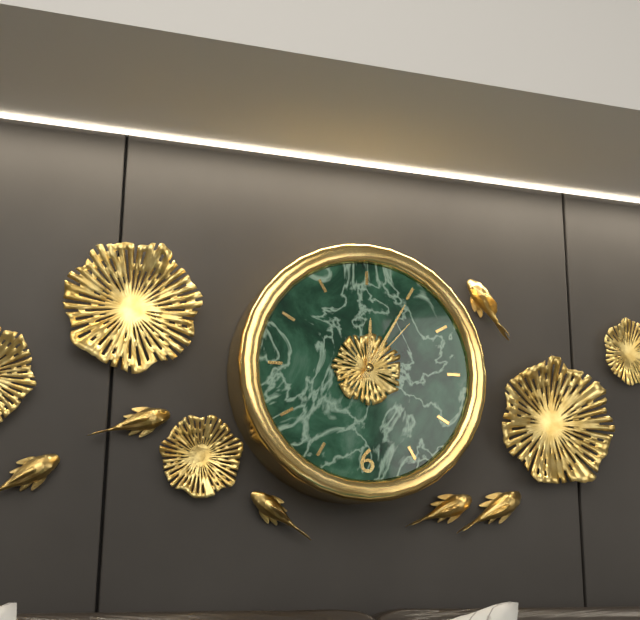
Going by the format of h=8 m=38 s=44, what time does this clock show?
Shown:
h=12 m=5 s=7
